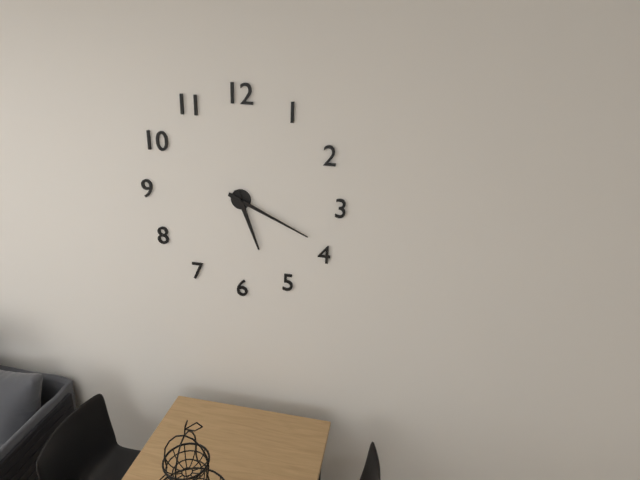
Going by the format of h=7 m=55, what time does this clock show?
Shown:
h=5 m=19
